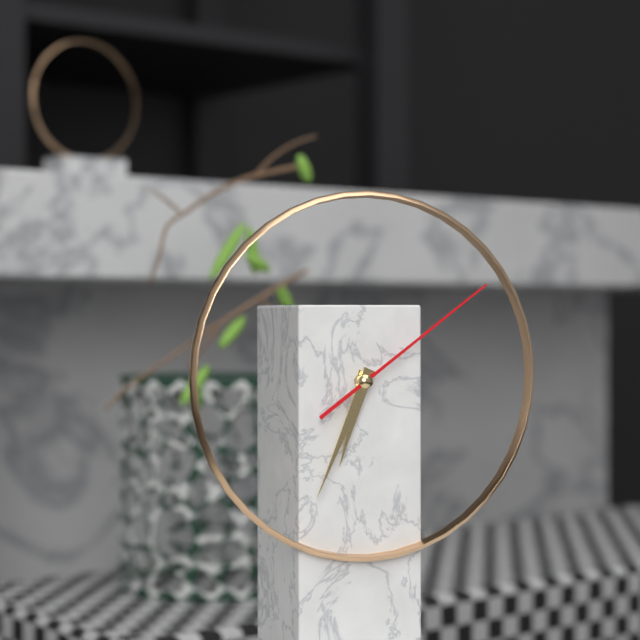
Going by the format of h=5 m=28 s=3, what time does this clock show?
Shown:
h=6 m=34 s=9
